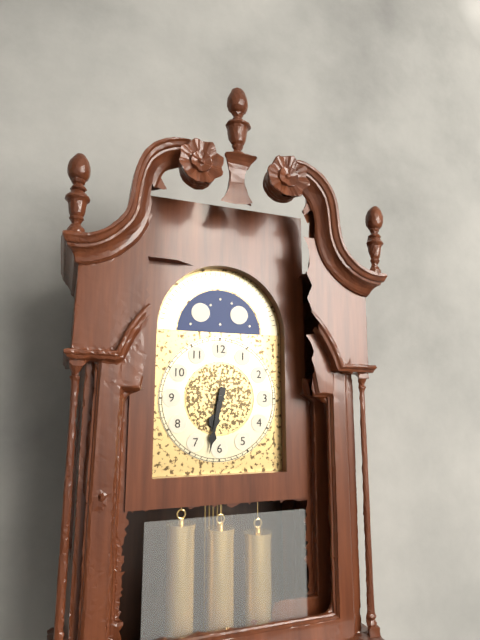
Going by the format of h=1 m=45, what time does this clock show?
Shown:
h=6 m=32
